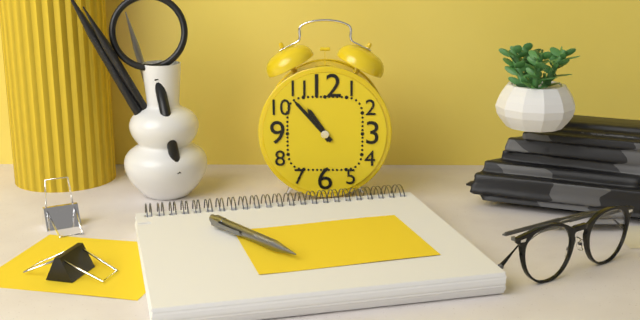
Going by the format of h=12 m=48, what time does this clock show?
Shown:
h=10 m=53
